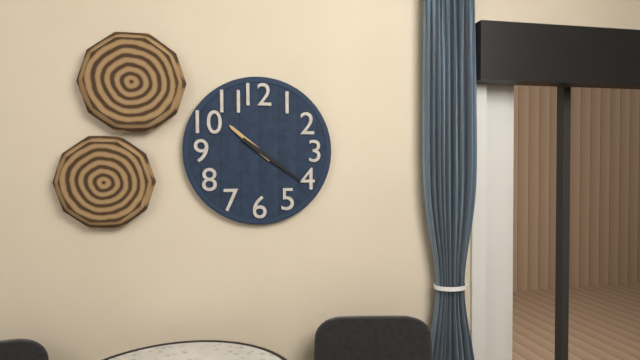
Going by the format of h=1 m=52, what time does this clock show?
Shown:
h=10 m=21
